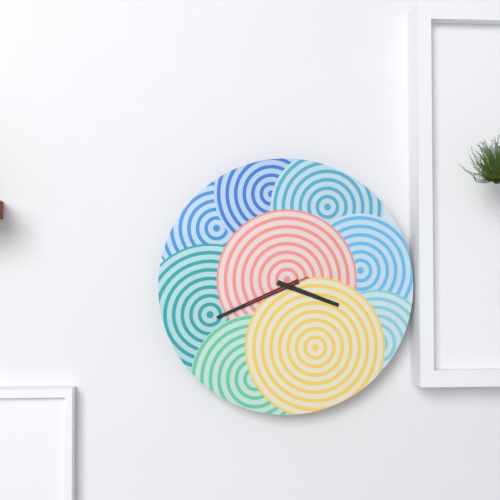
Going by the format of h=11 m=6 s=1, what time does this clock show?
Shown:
h=3 m=41 s=41
